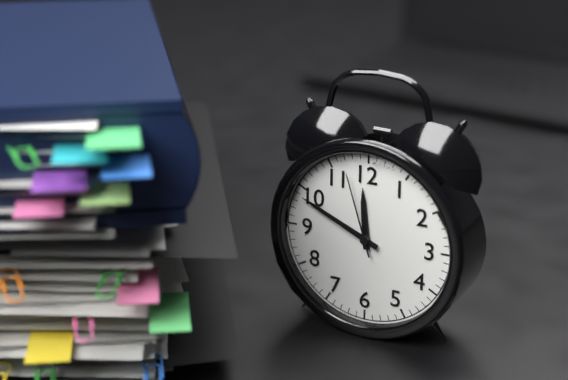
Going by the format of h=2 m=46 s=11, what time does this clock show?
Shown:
h=11 m=49 s=57
